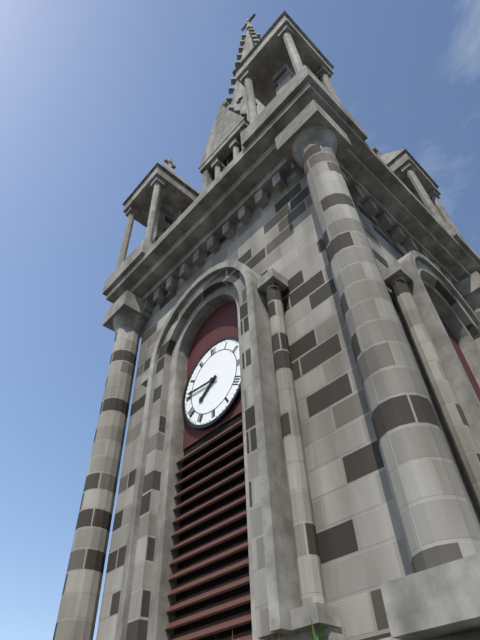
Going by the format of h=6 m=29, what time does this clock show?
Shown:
h=7 m=46
